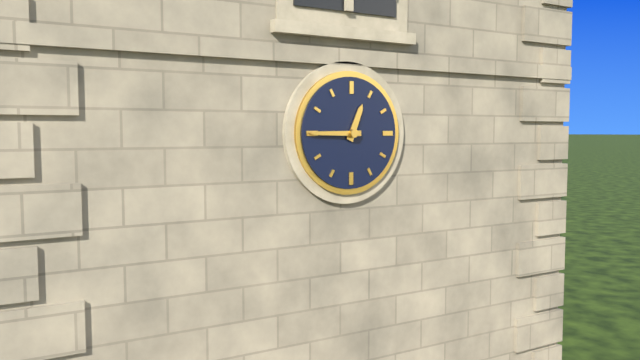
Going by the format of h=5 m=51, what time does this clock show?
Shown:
h=12 m=45
